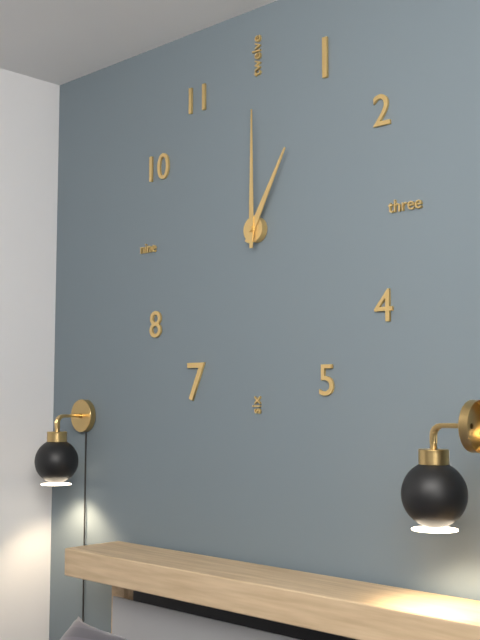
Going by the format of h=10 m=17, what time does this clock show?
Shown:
h=1 m=0
